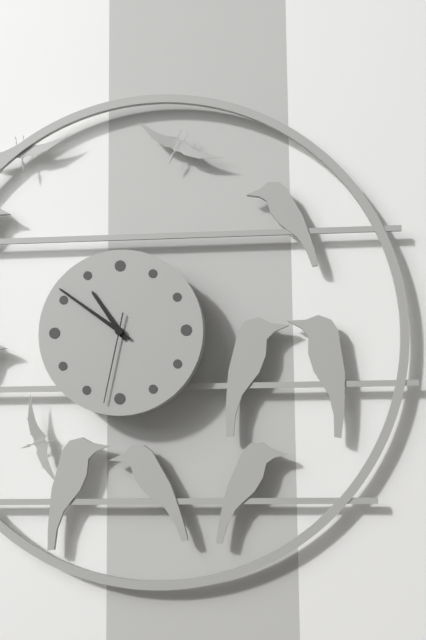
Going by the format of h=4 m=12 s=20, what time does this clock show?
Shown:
h=10 m=51 s=32
